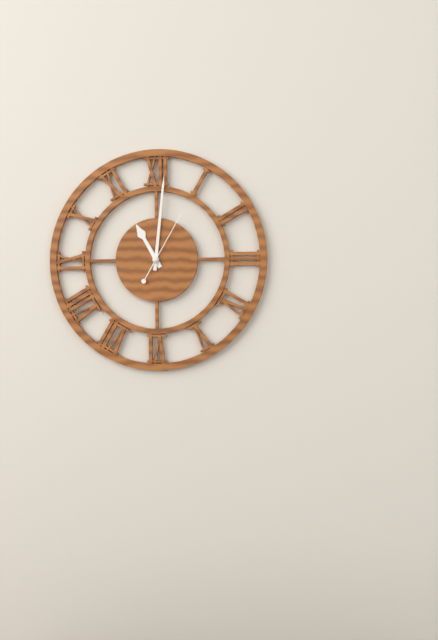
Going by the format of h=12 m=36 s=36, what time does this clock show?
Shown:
h=11 m=1 s=5
